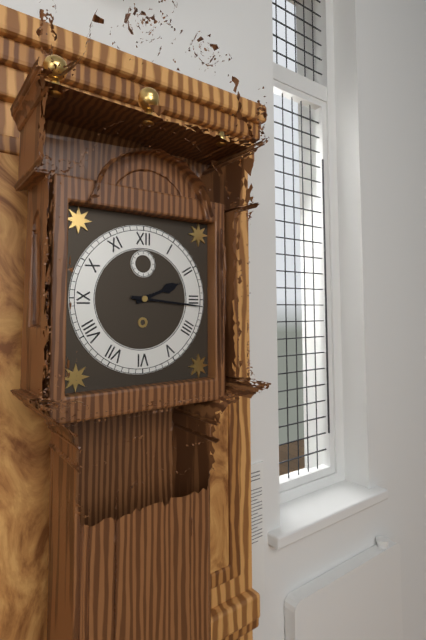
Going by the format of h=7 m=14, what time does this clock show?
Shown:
h=2 m=16
